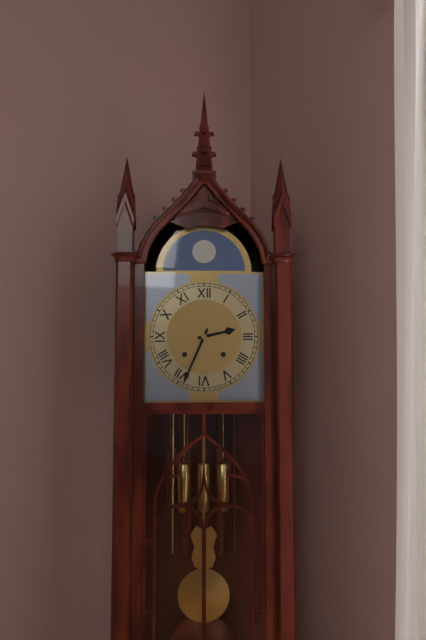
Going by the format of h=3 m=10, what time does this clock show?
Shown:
h=2 m=34
